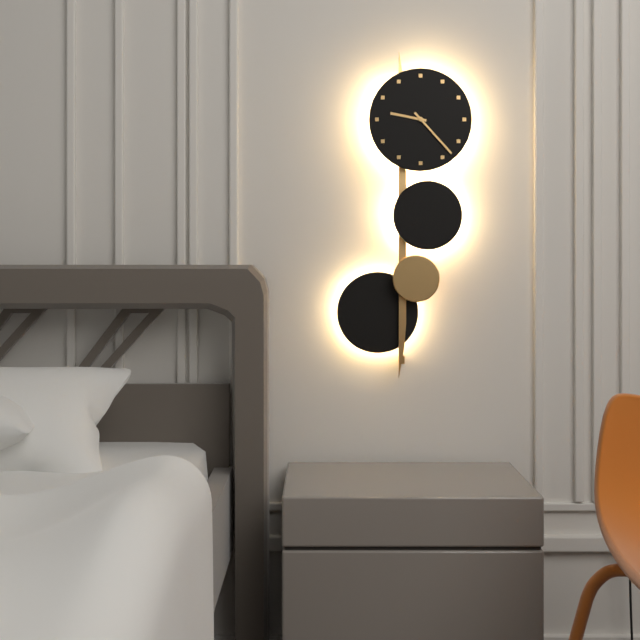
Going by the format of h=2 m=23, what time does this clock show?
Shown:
h=9 m=23
